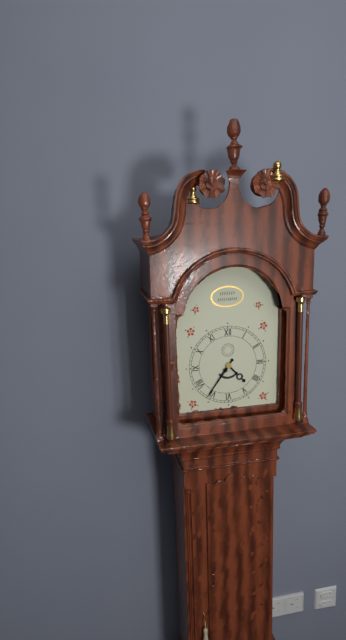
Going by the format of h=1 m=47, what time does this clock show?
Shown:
h=4 m=36
